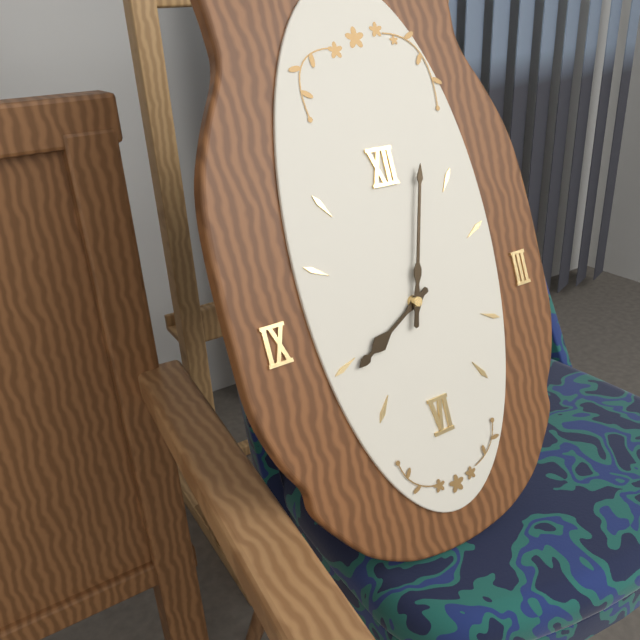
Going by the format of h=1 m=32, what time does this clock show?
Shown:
h=8 m=3
